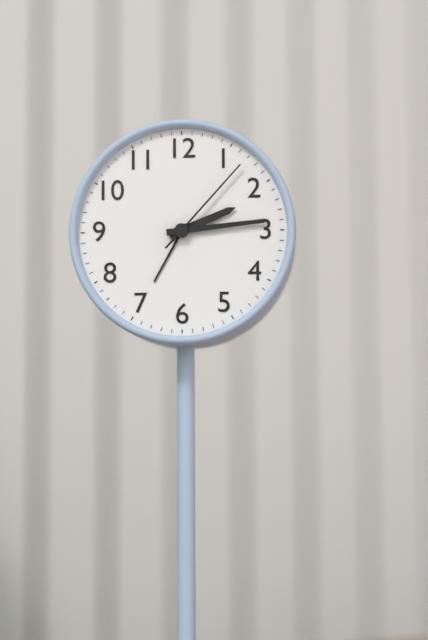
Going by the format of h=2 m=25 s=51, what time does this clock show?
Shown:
h=2 m=14 s=7
